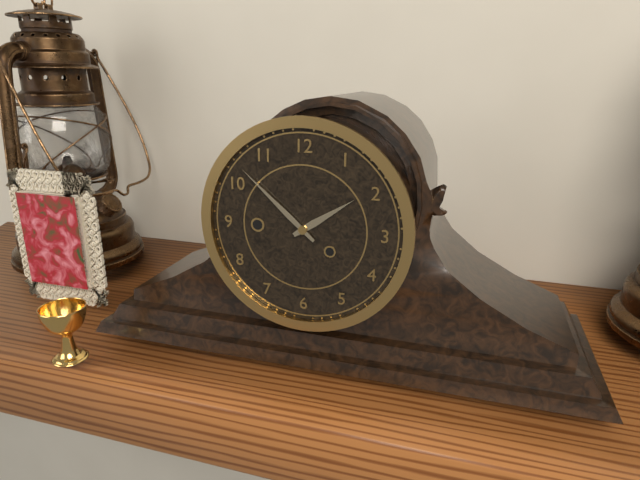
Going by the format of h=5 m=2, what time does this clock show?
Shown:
h=1 m=52
